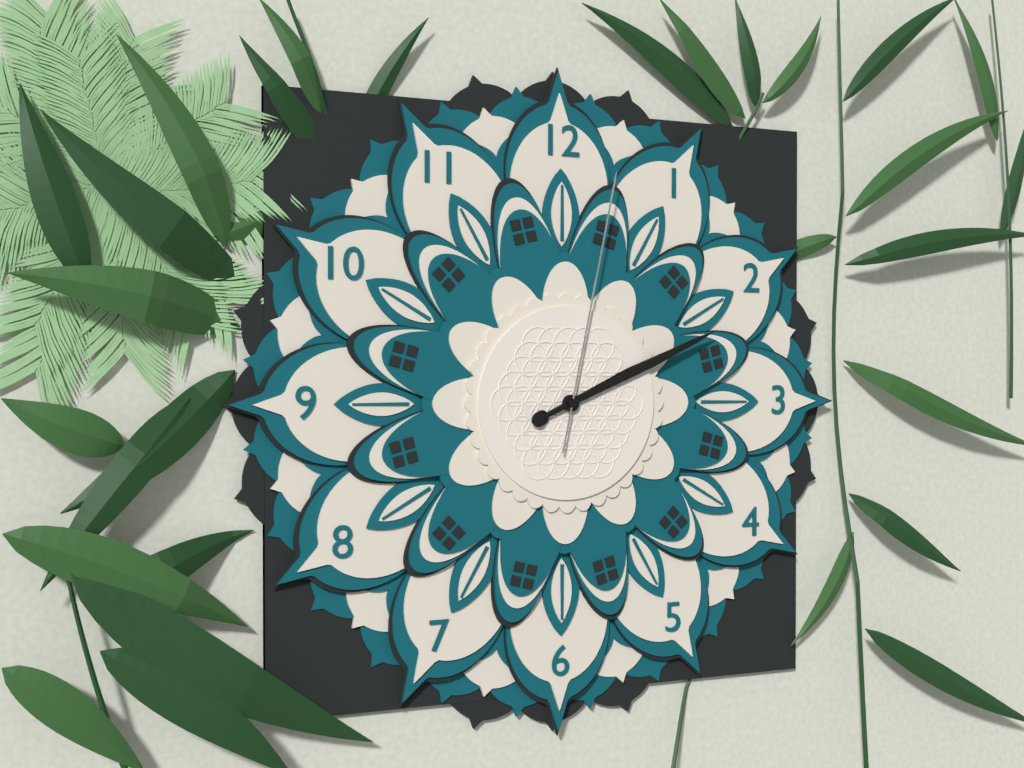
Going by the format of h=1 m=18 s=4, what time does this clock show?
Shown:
h=2 m=11 s=2
